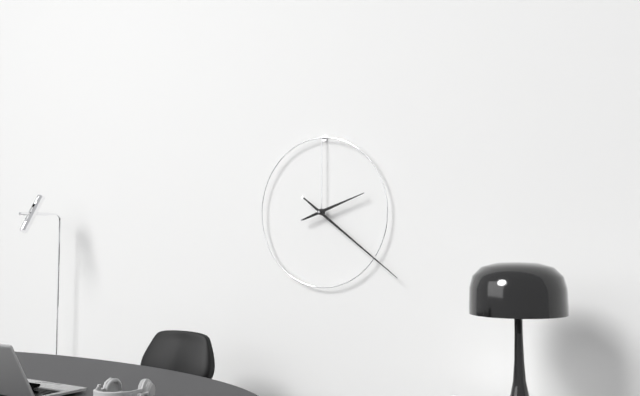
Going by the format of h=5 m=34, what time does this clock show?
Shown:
h=2 m=21
